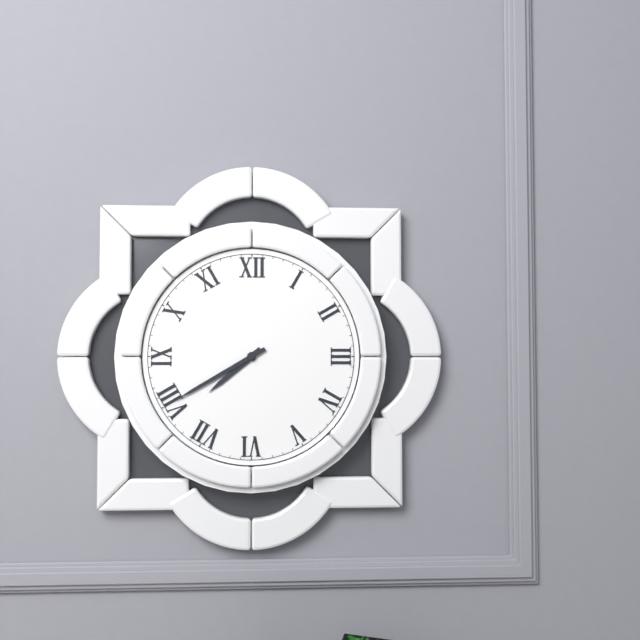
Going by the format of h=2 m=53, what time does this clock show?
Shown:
h=7 m=40
